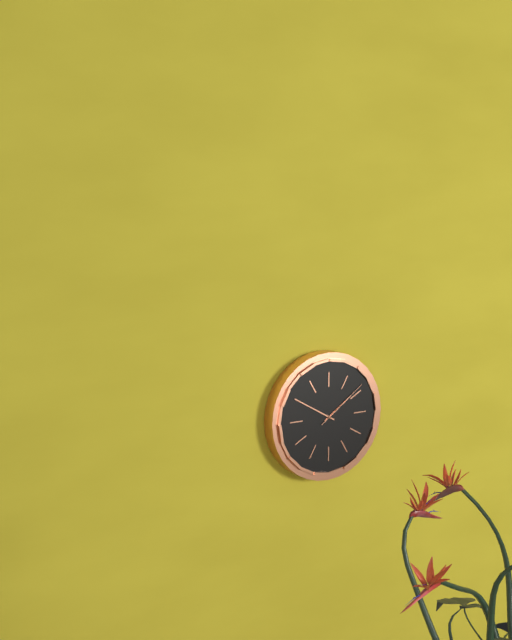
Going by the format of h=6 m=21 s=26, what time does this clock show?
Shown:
h=1 m=50 s=9
